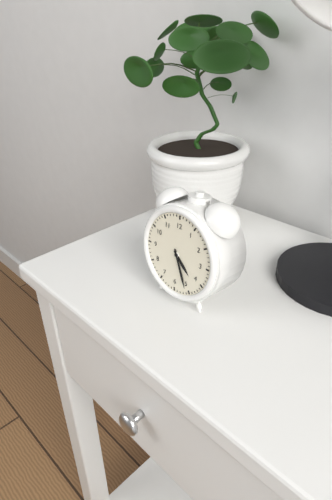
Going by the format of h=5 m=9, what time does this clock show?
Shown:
h=4 m=26
